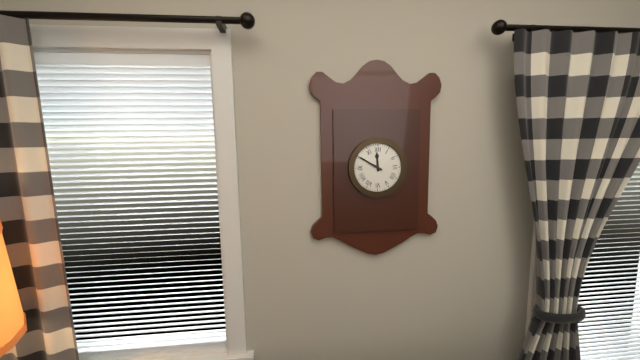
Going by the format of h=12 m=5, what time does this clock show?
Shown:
h=11 m=50
